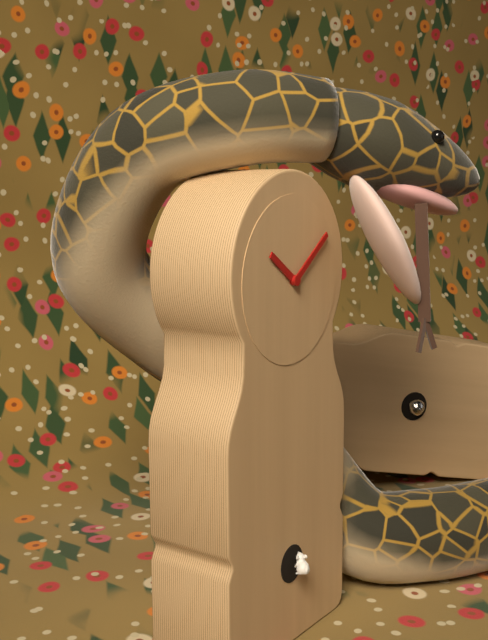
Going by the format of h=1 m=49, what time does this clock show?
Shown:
h=10 m=9
